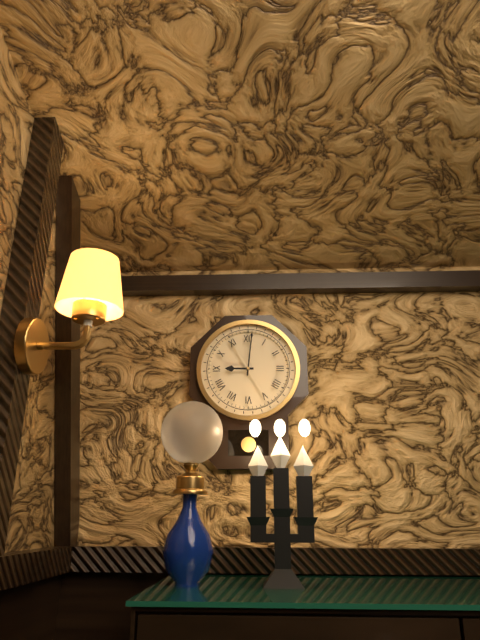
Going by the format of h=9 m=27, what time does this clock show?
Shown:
h=9 m=1
